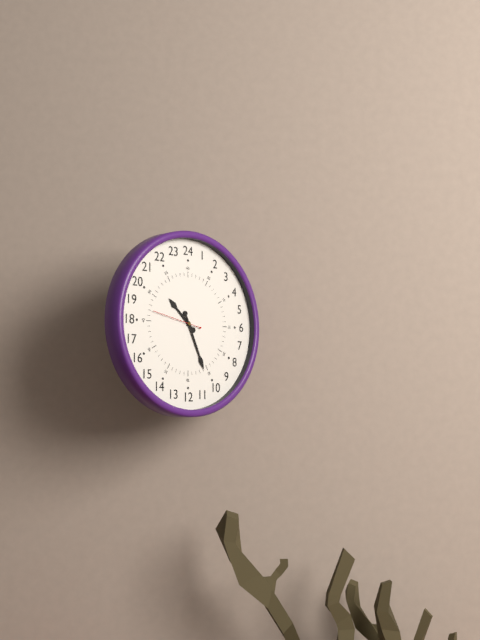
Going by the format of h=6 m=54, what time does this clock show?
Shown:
h=10 m=26
